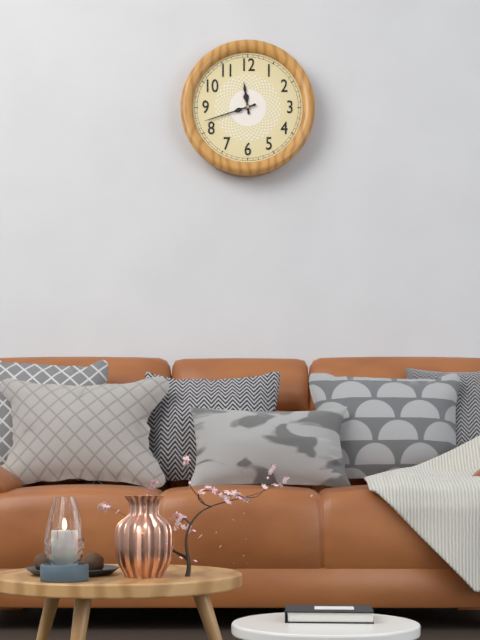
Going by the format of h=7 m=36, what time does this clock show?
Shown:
h=11 m=42
